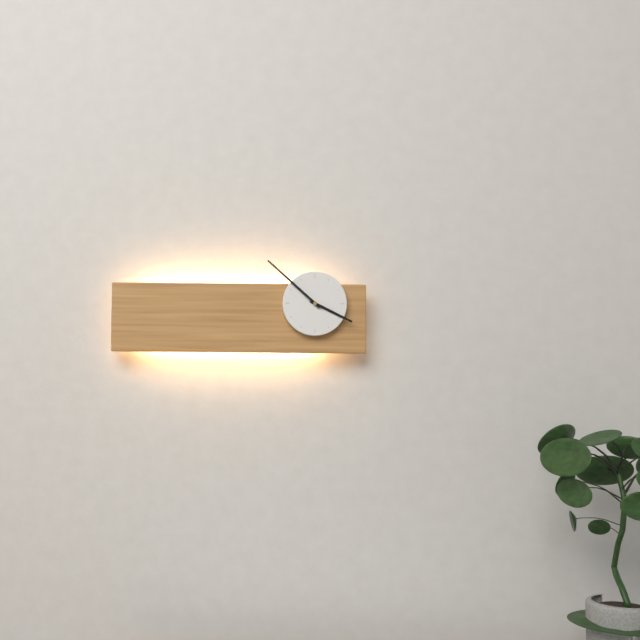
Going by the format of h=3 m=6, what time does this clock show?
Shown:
h=3 m=52
